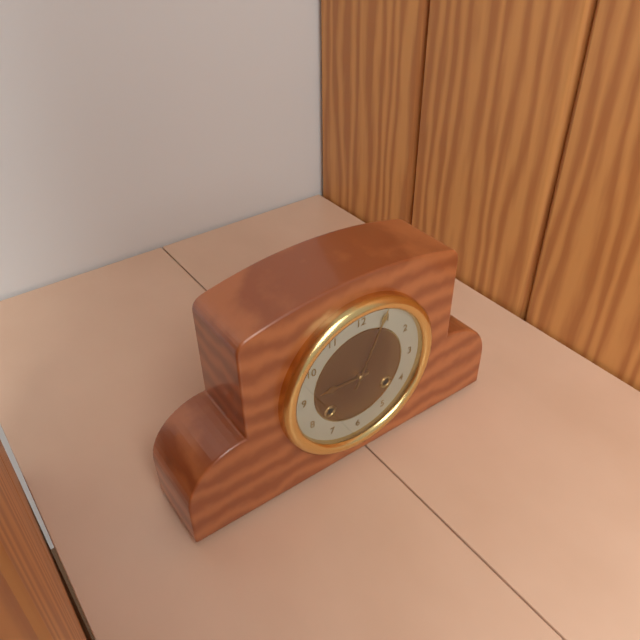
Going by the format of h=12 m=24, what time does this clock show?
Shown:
h=9 m=4
